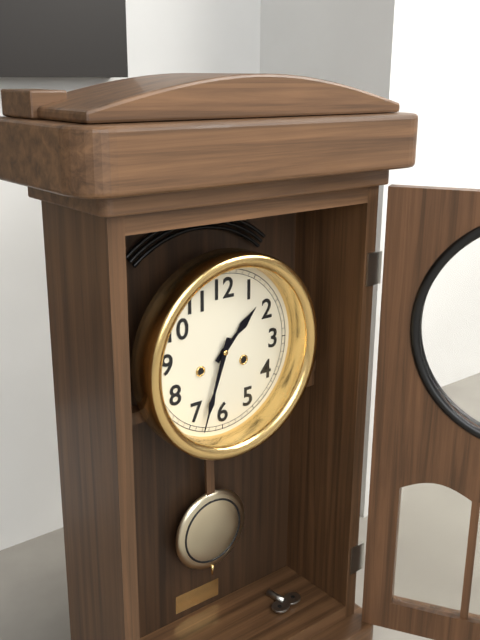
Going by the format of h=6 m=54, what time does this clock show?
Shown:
h=1 m=33
